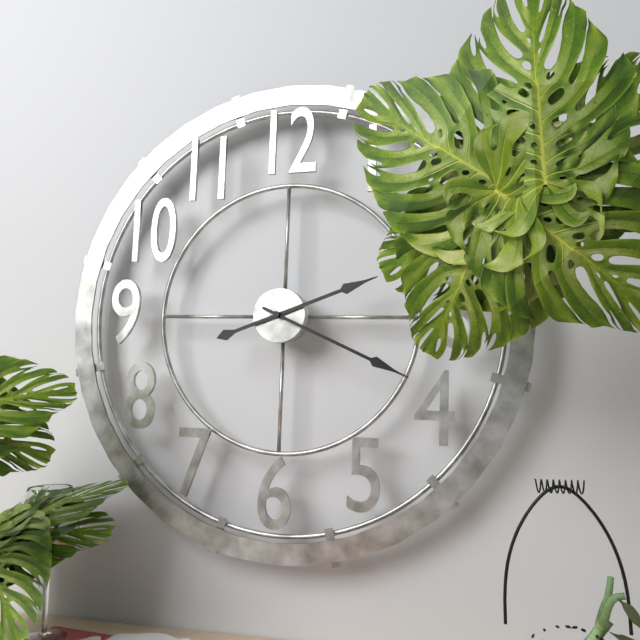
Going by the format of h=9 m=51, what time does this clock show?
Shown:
h=2 m=19
